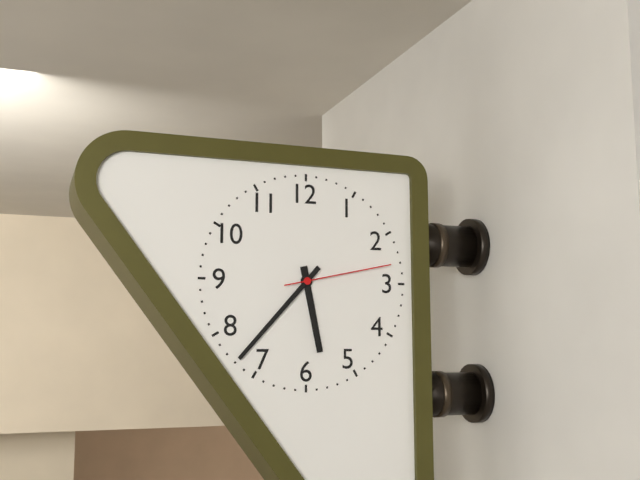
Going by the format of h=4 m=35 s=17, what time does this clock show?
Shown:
h=5 m=37 s=13
